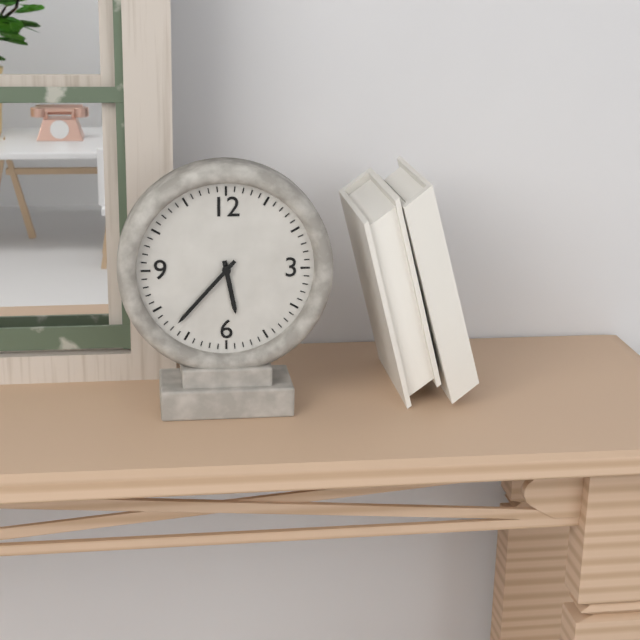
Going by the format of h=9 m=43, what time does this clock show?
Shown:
h=5 m=37
